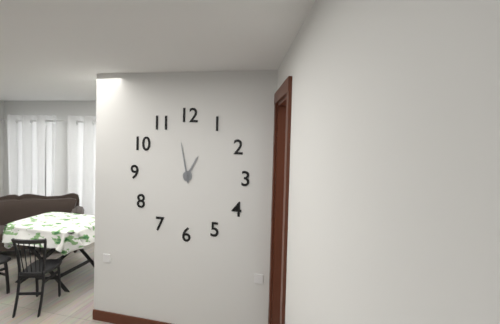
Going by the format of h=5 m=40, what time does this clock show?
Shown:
h=12 m=58
